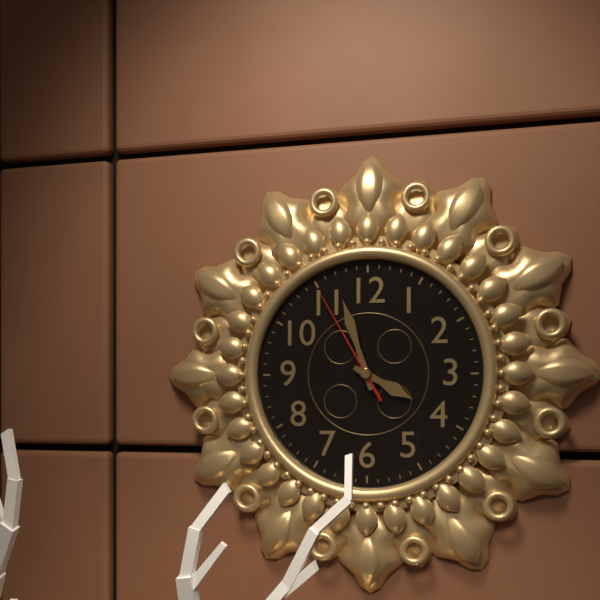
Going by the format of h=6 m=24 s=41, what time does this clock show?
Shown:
h=3 m=57 s=55
